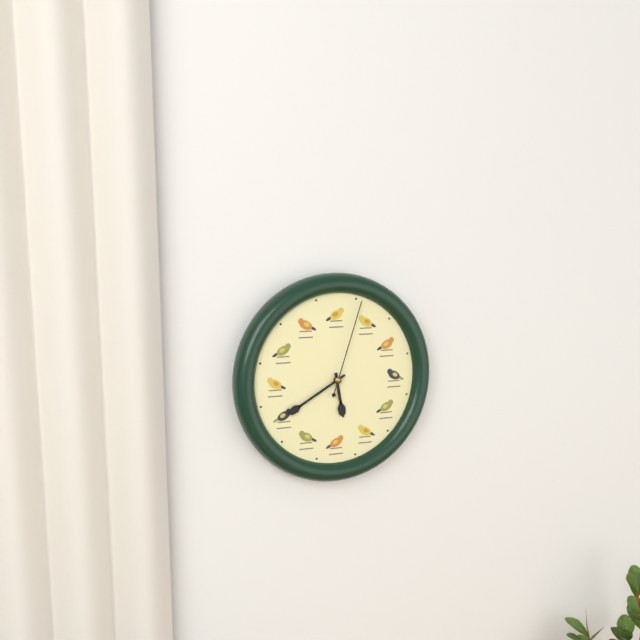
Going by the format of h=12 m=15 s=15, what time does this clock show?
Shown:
h=5 m=40 s=3
